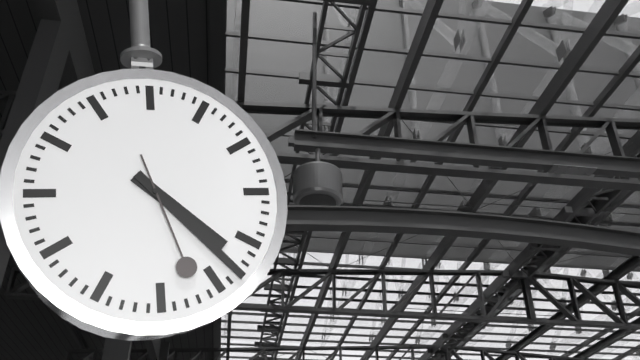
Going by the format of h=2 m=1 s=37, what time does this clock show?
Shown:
h=4 m=23 s=27
